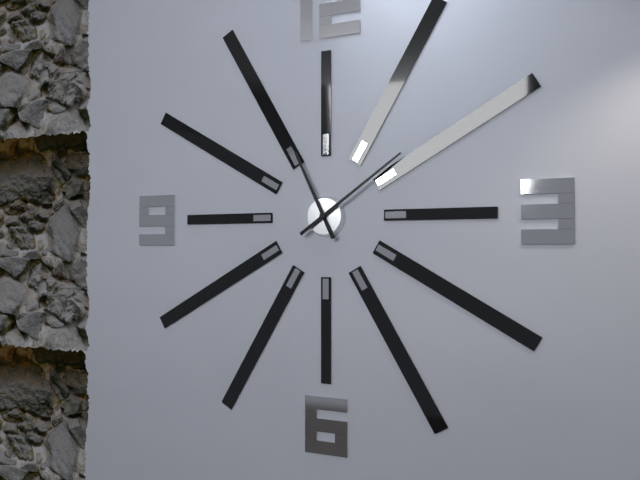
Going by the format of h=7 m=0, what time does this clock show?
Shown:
h=11 m=9
